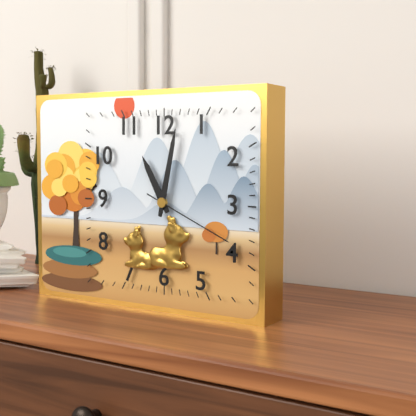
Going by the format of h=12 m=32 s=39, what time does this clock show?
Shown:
h=11 m=2 s=19
